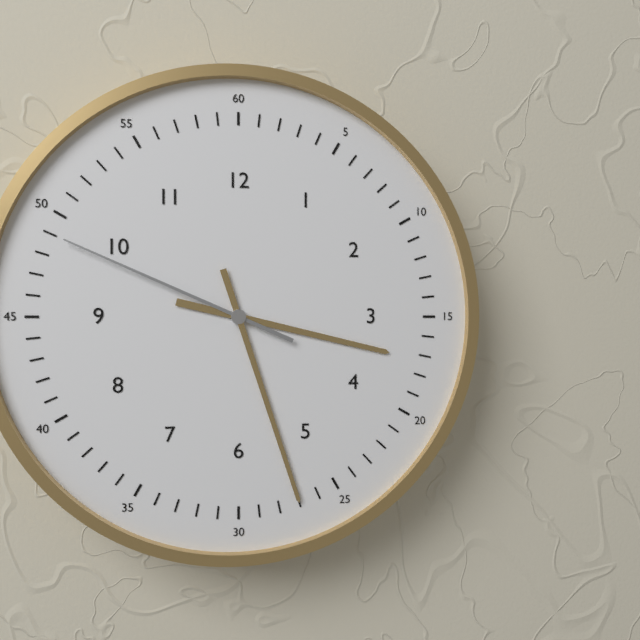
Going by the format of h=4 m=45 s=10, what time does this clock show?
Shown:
h=3 m=27 s=49
